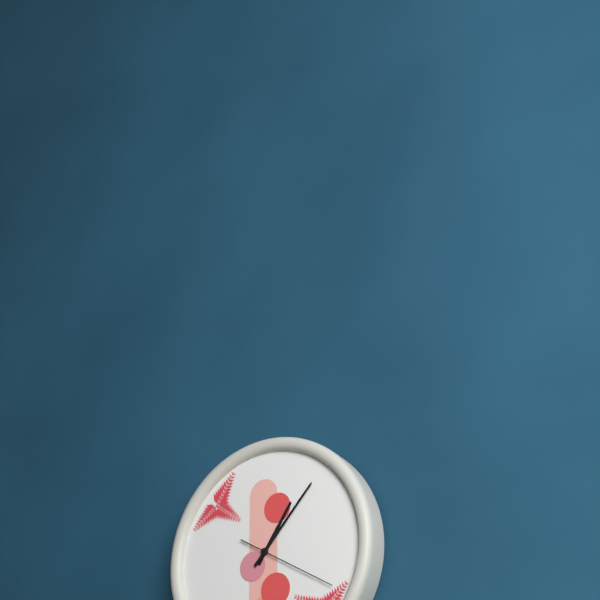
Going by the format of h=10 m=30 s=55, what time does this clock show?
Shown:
h=1 m=7 s=20
